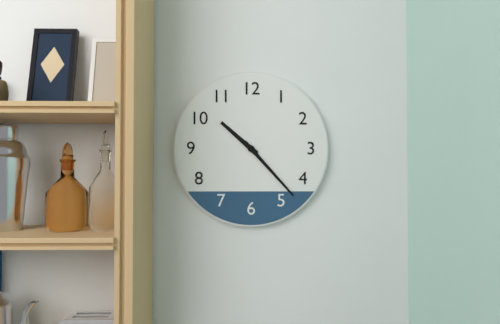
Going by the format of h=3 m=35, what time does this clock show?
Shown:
h=10 m=23
